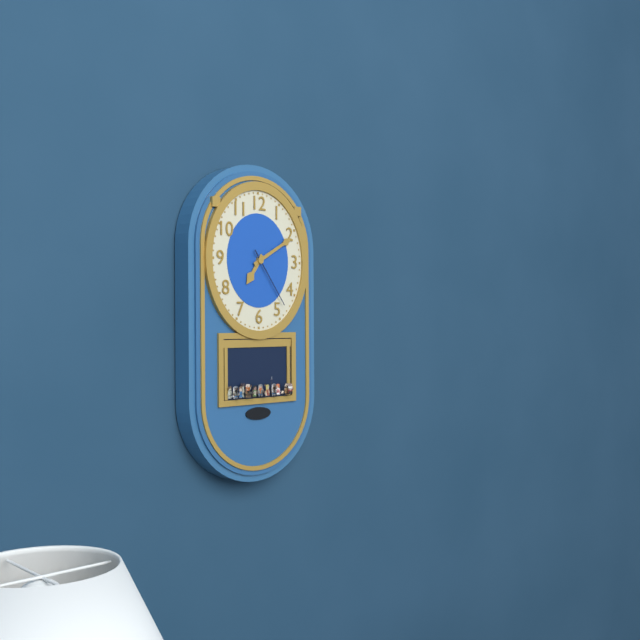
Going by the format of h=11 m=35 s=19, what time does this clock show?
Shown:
h=7 m=10 s=24
